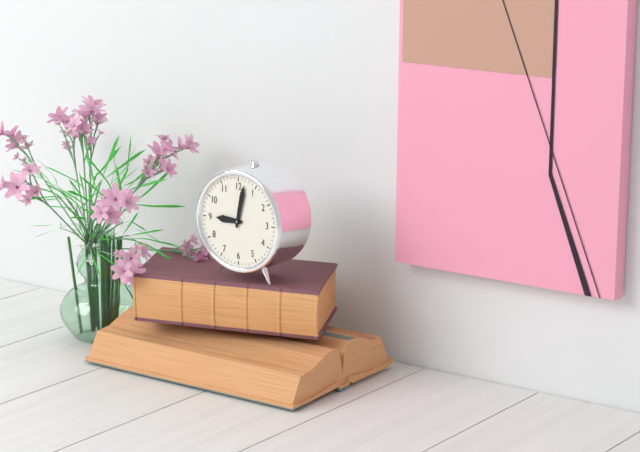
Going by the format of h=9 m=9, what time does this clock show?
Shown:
h=9 m=2
